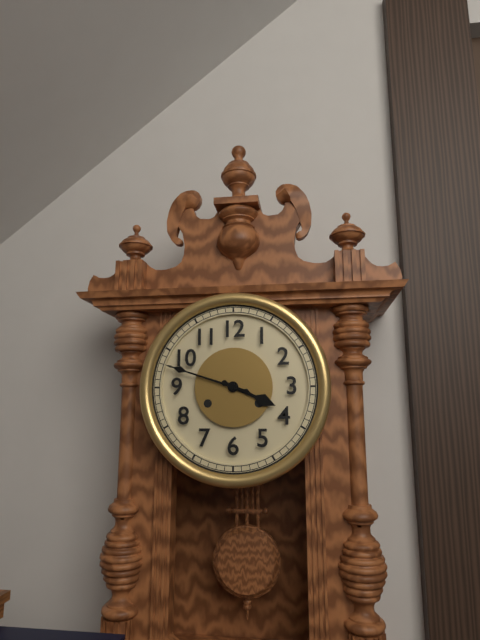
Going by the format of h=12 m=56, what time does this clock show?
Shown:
h=3 m=48
